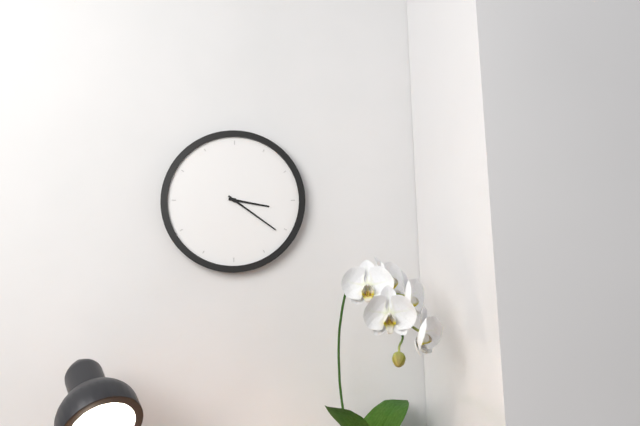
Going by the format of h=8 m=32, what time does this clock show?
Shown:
h=3 m=21
